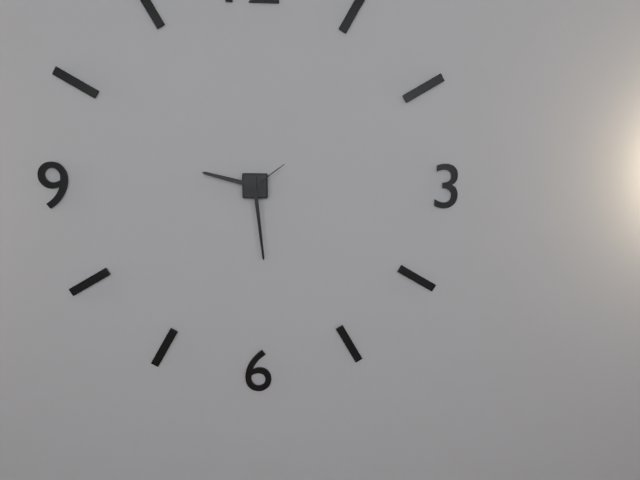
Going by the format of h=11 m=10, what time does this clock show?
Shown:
h=9 m=29
